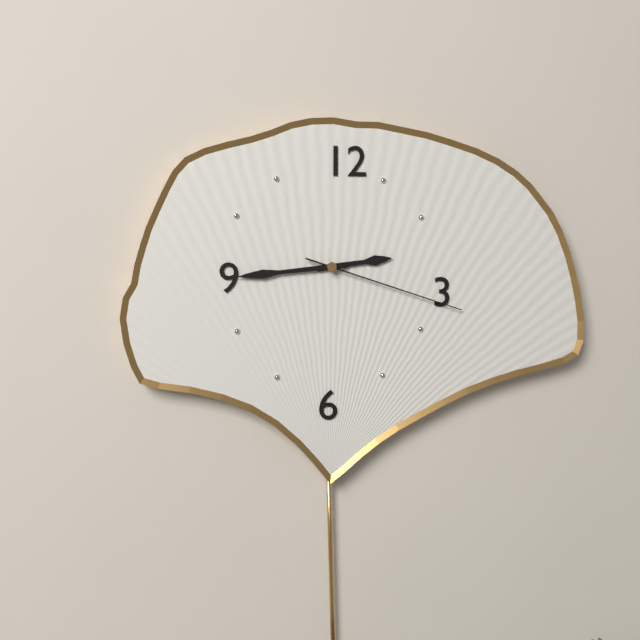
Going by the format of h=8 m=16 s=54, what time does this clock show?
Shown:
h=2 m=44 s=18
